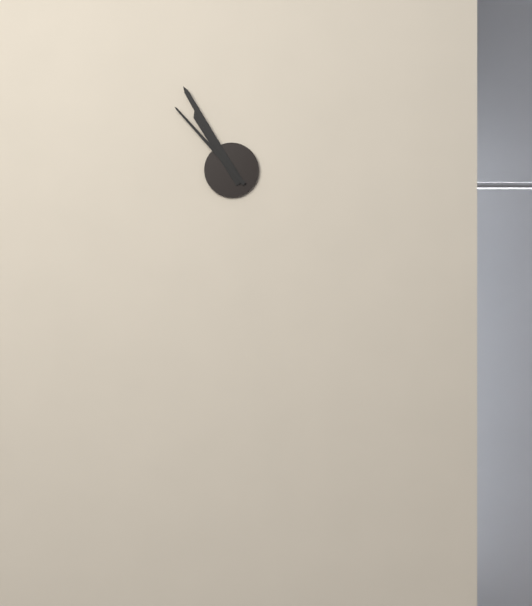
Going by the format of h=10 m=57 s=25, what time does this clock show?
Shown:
h=10 m=55 s=53
